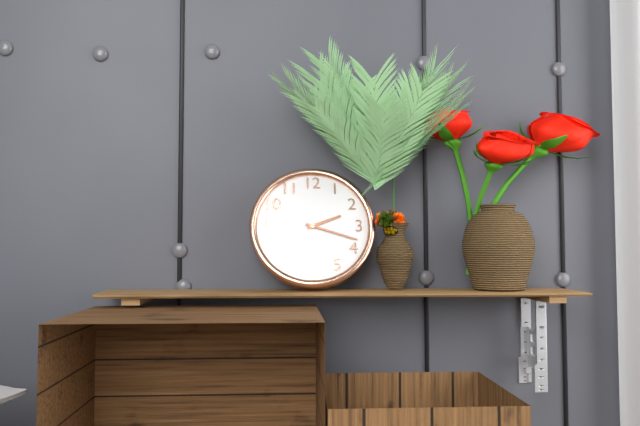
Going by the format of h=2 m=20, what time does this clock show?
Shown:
h=2 m=18
